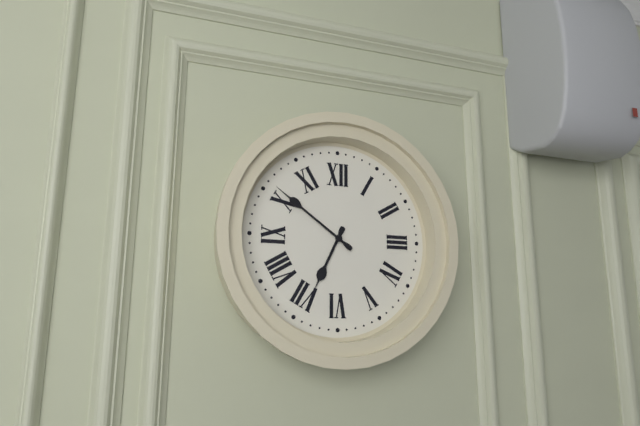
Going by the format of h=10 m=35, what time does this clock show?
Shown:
h=6 m=51
